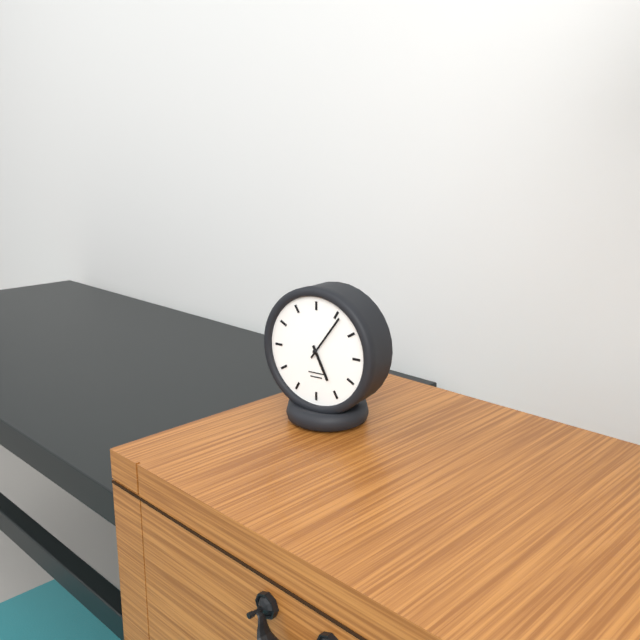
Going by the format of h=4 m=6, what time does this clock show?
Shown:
h=5 m=6
